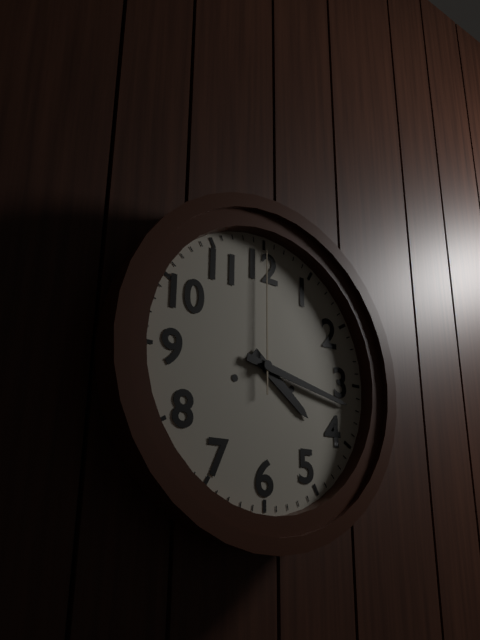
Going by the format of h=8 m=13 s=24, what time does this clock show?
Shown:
h=4 m=17 s=0
